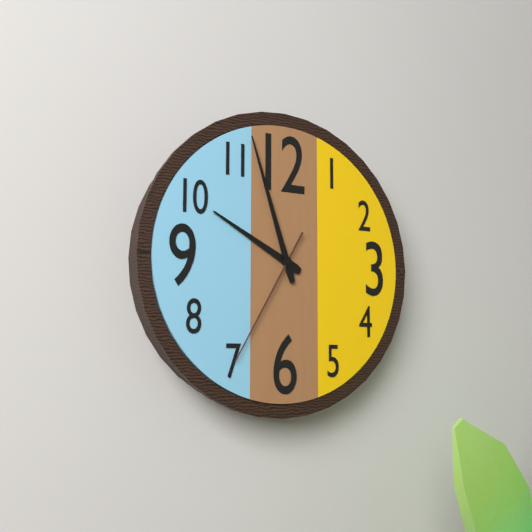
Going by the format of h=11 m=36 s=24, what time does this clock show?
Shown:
h=9 m=57 s=35
